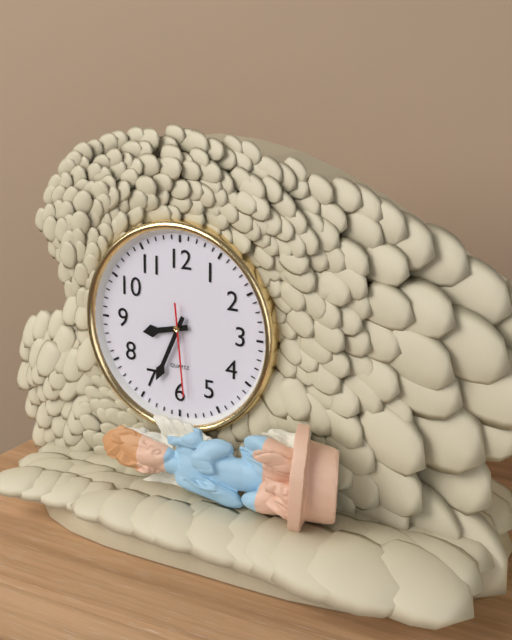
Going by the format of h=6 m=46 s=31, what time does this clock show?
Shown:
h=8 m=34 s=29
